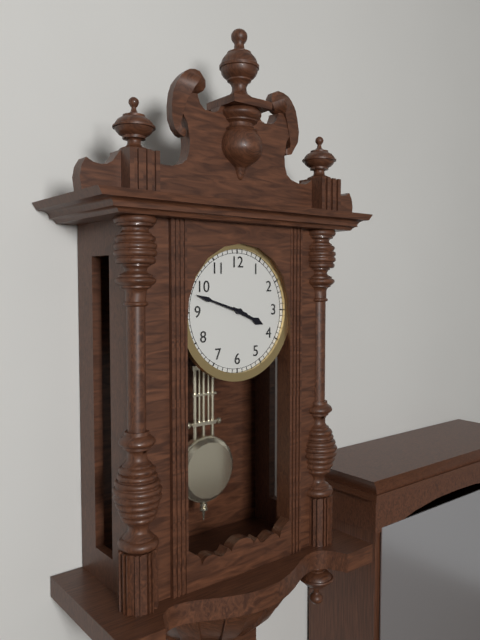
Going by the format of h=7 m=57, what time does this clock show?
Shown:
h=3 m=48
